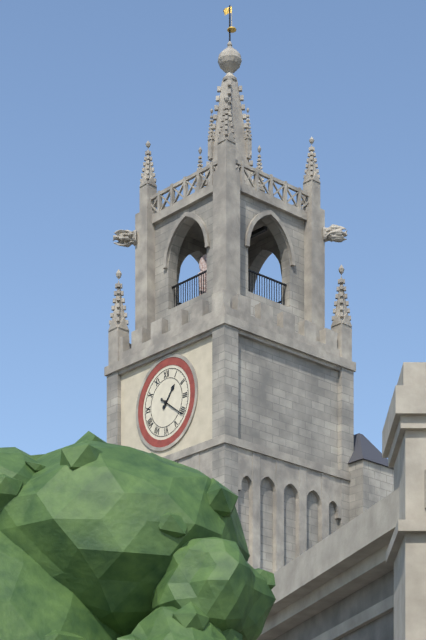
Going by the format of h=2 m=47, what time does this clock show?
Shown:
h=1 m=21
